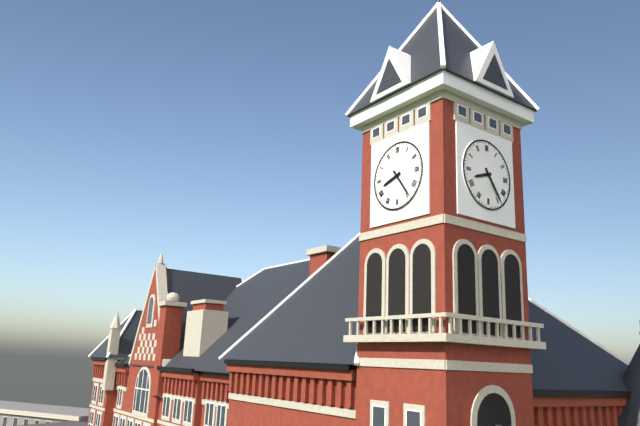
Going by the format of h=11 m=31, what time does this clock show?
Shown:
h=8 m=24
